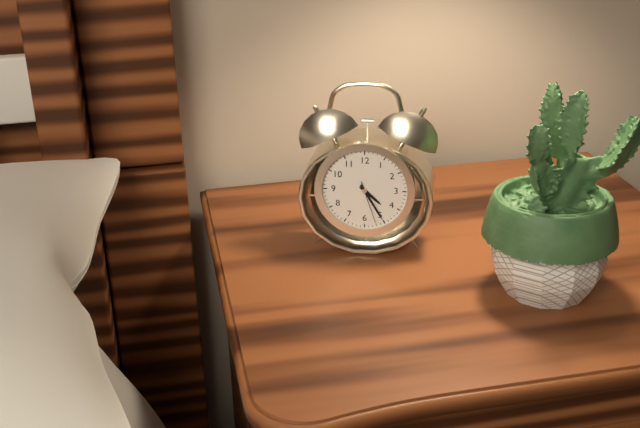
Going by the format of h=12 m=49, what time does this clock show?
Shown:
h=4 m=25
